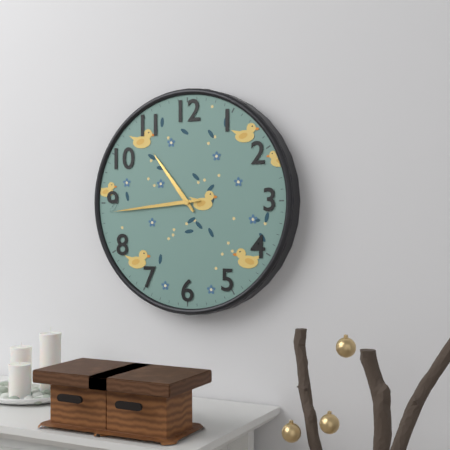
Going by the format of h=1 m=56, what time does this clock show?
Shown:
h=10 m=44
